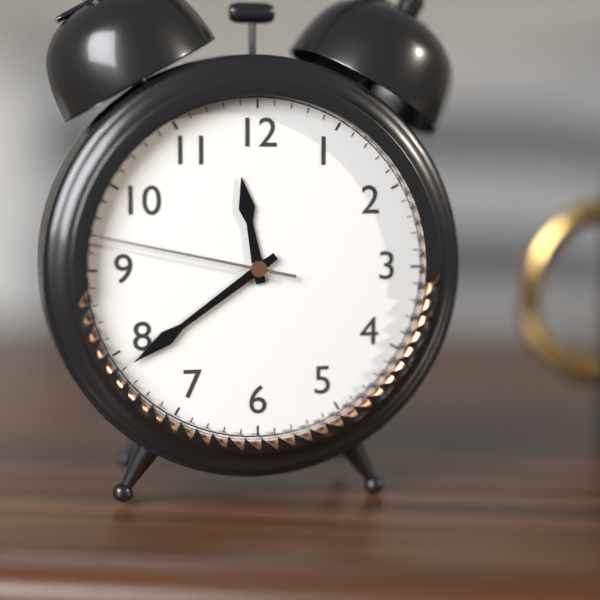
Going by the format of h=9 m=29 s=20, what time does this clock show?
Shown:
h=11 m=39 s=47
